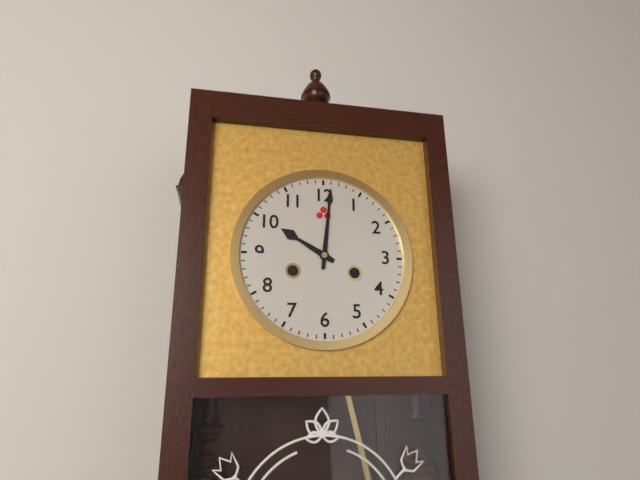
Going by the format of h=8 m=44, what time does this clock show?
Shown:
h=10 m=1
